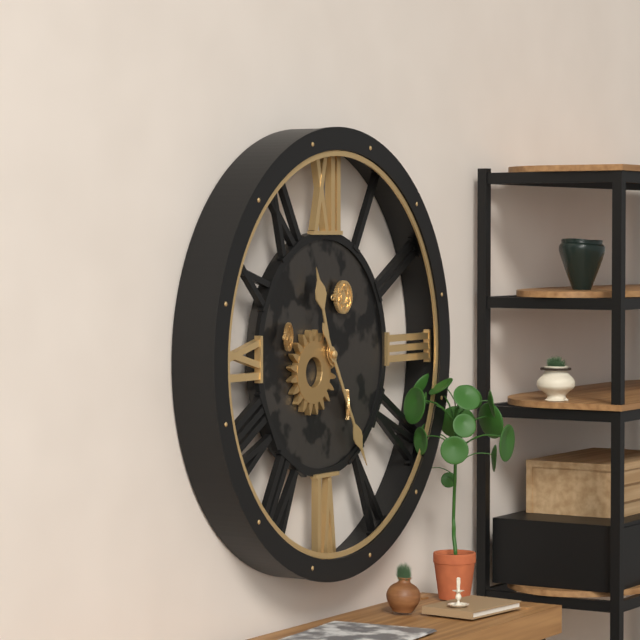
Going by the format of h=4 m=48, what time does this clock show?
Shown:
h=11 m=25
